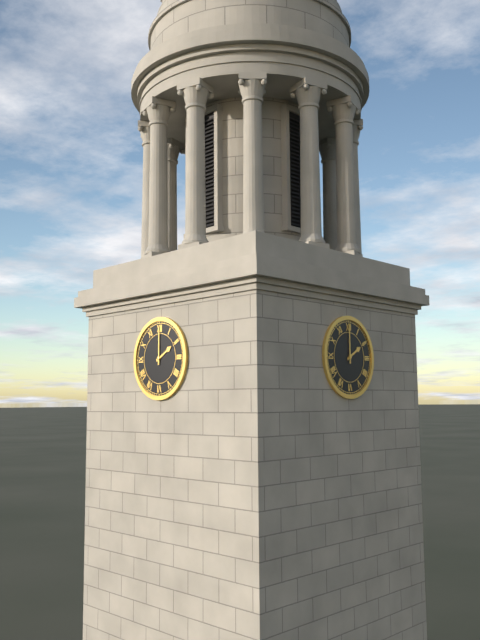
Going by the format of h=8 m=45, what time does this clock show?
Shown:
h=2 m=0
